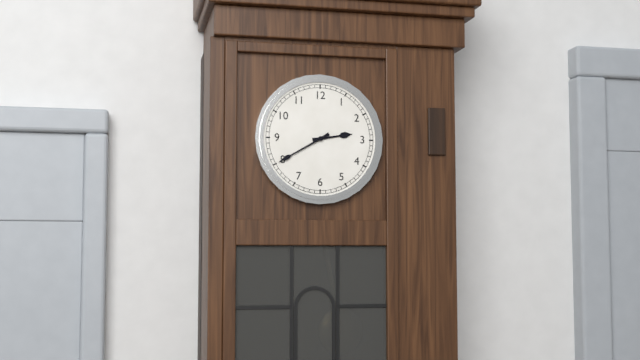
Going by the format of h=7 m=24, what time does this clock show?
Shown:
h=2 m=40
